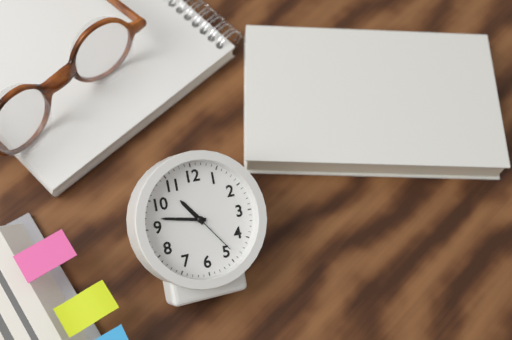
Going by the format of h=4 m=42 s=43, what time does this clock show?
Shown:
h=10 m=47 s=24
